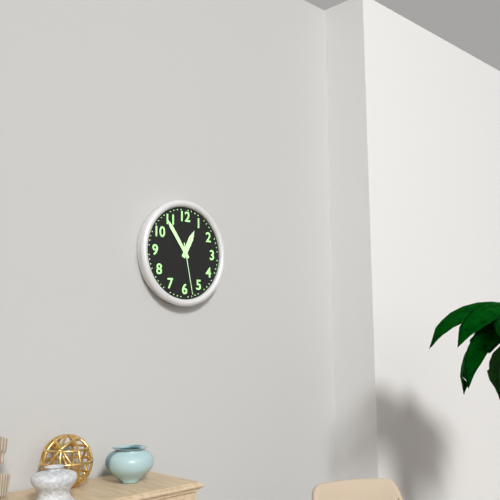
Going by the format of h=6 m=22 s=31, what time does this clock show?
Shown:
h=12 m=54 s=28
